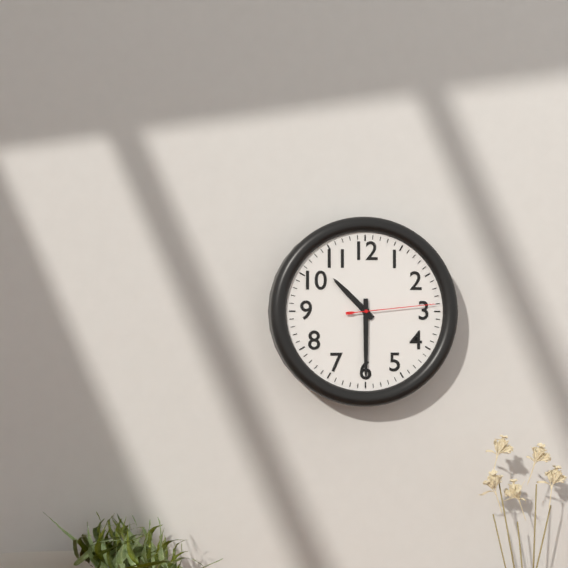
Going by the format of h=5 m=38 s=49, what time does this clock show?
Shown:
h=10 m=30 s=14
